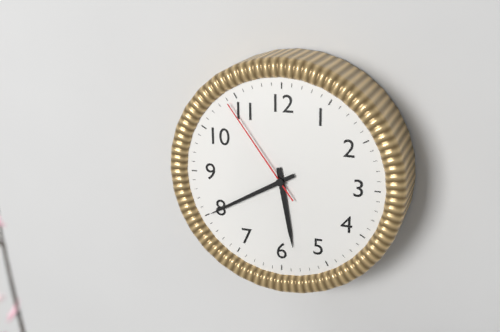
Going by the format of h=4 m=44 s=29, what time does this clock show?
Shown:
h=5 m=40 s=54
